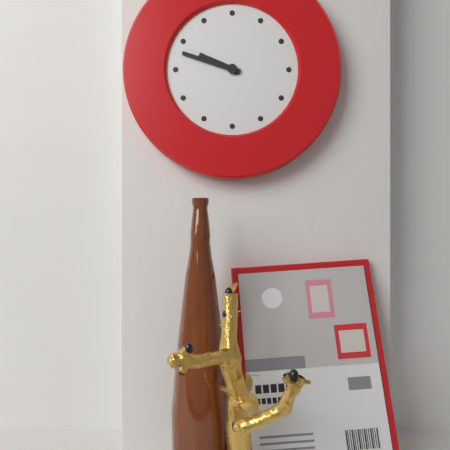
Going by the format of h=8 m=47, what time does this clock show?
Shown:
h=9 m=48
